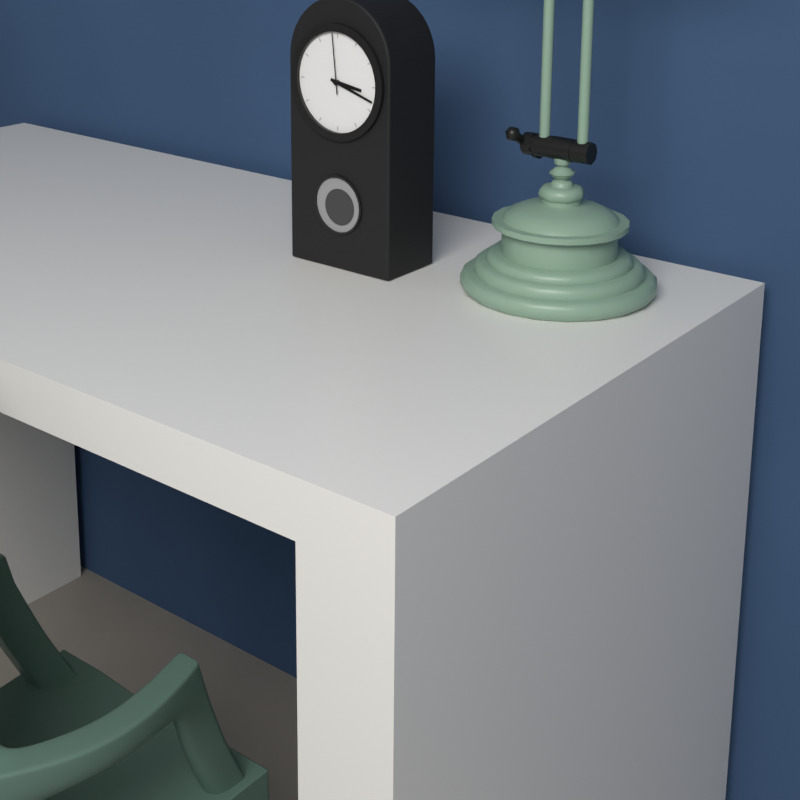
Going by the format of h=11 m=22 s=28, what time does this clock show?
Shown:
h=3 m=18 s=59
